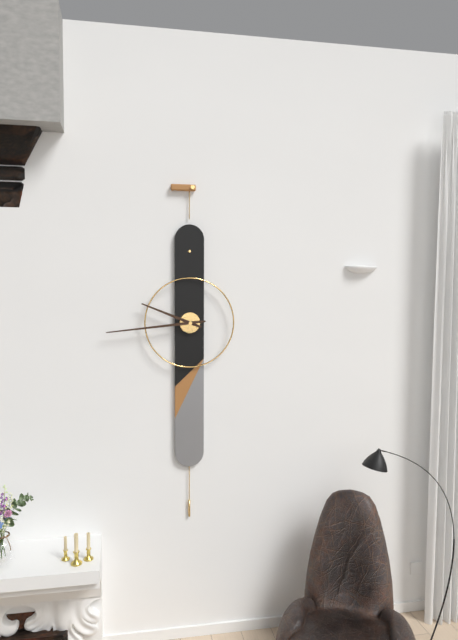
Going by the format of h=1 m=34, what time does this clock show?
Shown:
h=9 m=44
